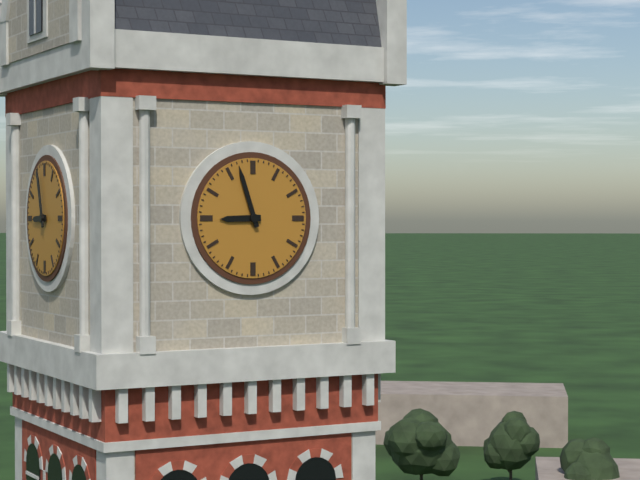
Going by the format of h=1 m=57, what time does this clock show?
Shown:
h=8 m=57
